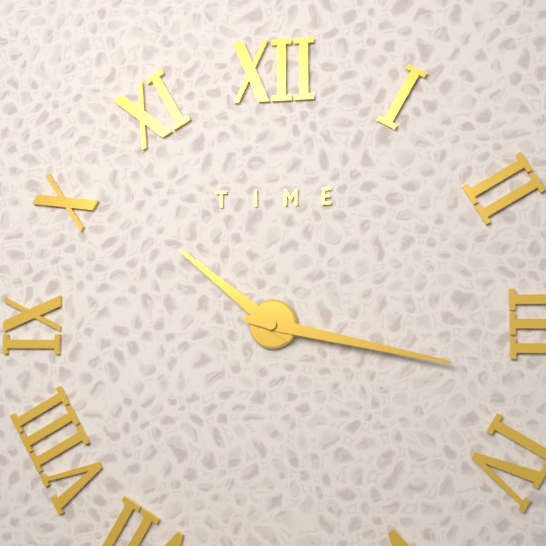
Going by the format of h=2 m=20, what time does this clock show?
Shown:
h=10 m=17
